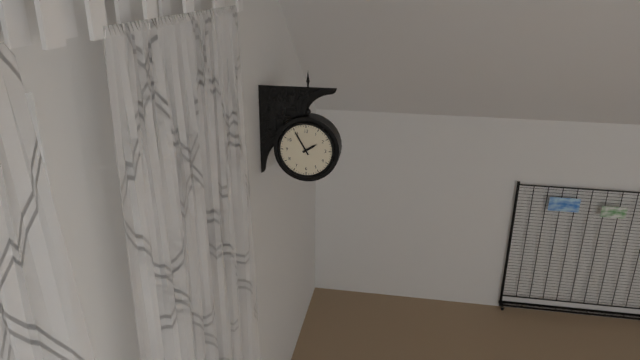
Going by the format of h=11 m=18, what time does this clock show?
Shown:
h=1 m=55
